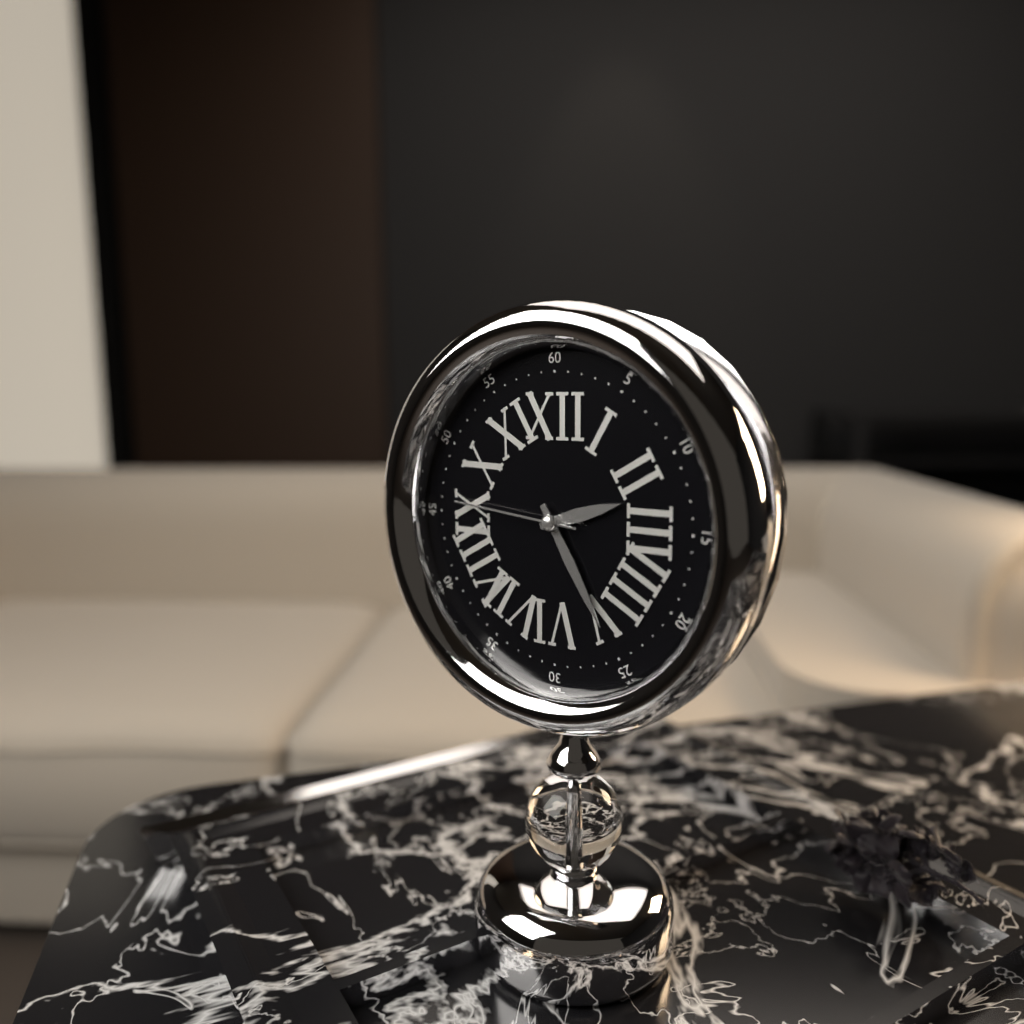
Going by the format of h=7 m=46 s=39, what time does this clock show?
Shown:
h=2 m=25 s=46
